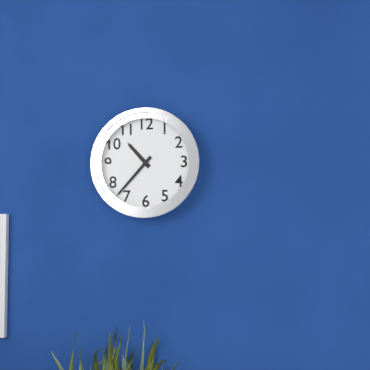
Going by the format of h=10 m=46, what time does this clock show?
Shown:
h=10 m=37
